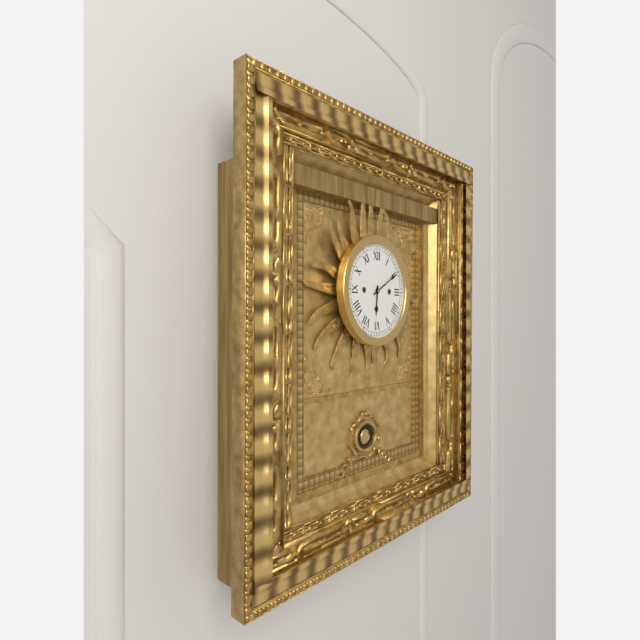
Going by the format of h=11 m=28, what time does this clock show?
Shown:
h=6 m=10
